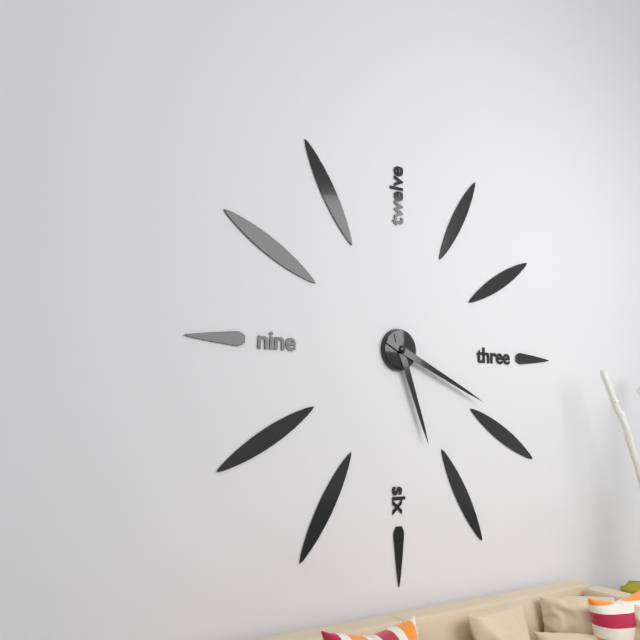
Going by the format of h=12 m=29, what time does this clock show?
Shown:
h=5 m=19
